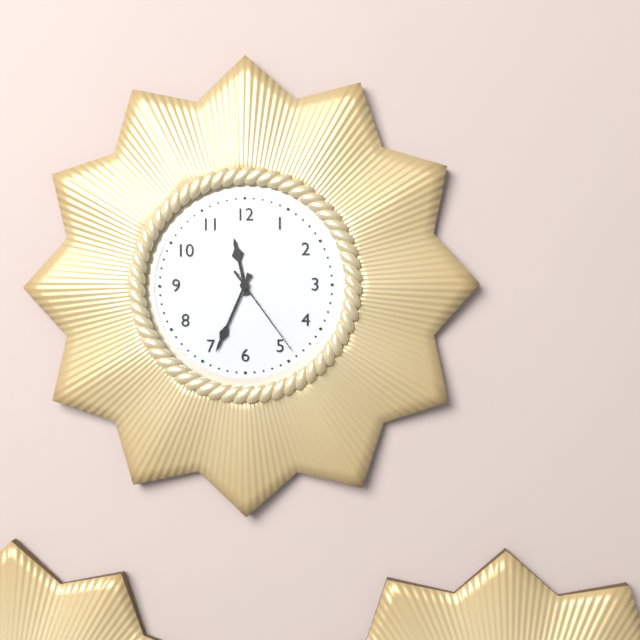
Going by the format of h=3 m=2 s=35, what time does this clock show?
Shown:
h=11 m=34 s=24
